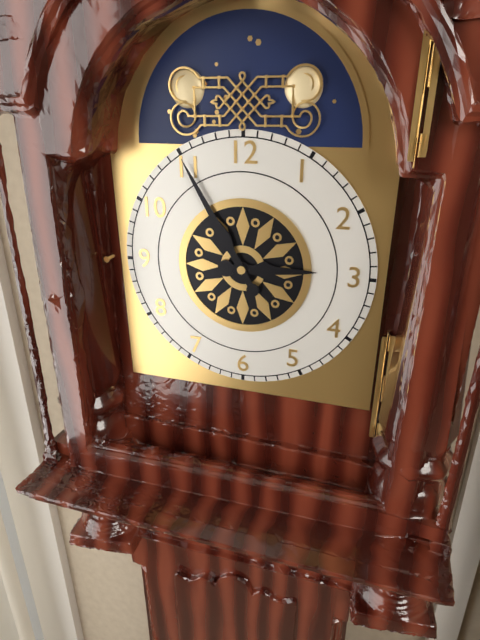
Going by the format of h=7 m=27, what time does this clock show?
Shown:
h=2 m=55
